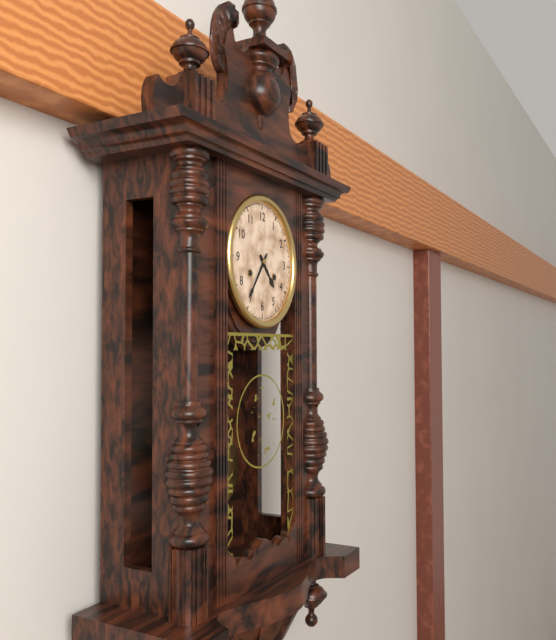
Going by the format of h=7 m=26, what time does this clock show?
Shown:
h=4 m=36
